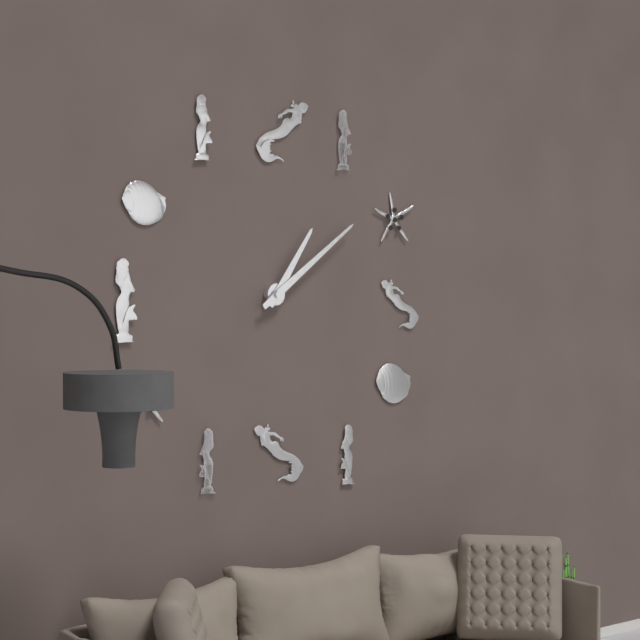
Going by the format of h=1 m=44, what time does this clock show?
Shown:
h=1 m=9
